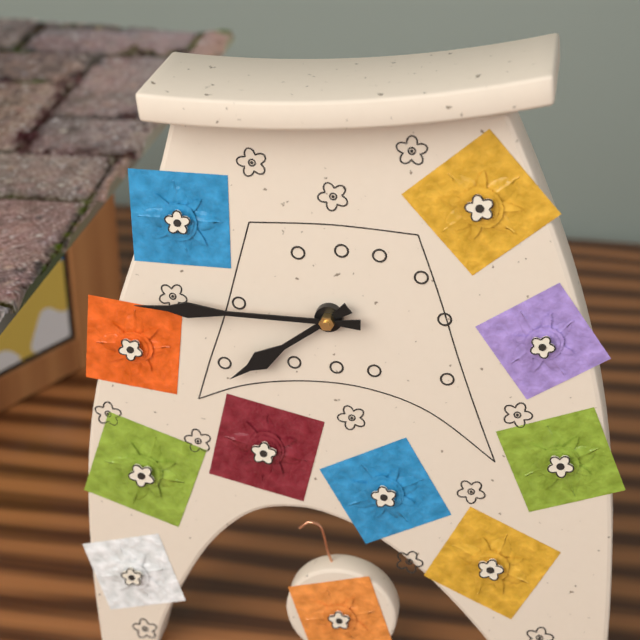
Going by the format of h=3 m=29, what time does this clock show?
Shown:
h=7 m=45
